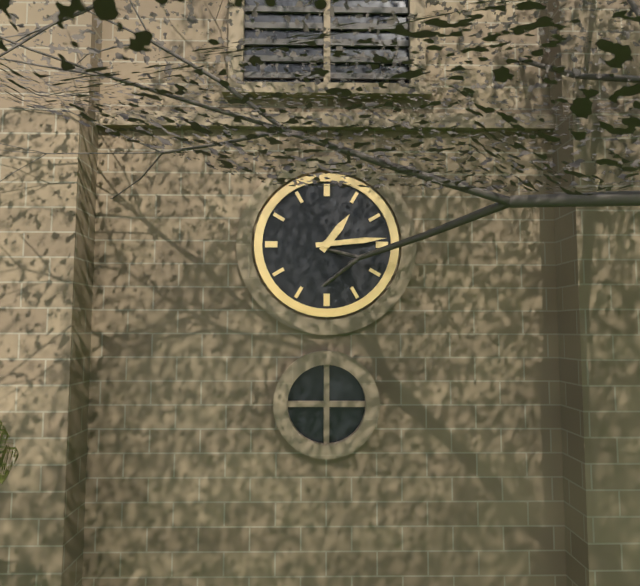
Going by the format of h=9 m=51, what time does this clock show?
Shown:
h=1 m=14
